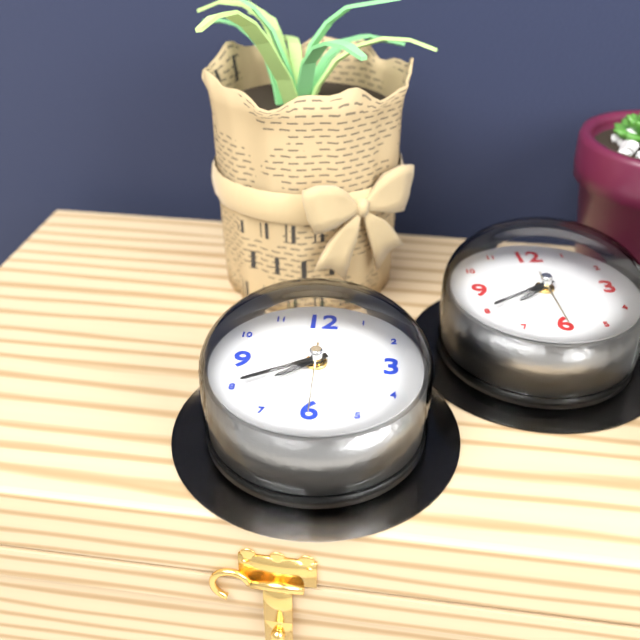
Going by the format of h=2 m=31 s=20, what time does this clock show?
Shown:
h=7 m=40 s=30
